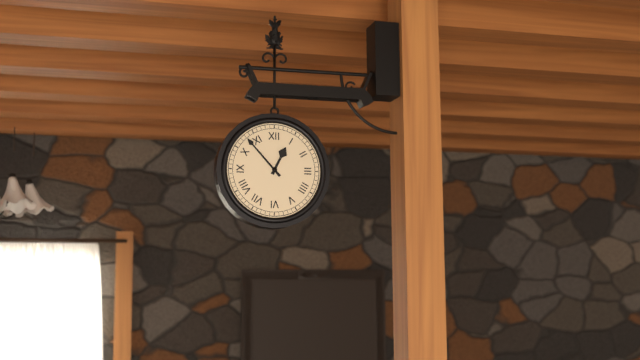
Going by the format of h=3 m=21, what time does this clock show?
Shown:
h=12 m=53
